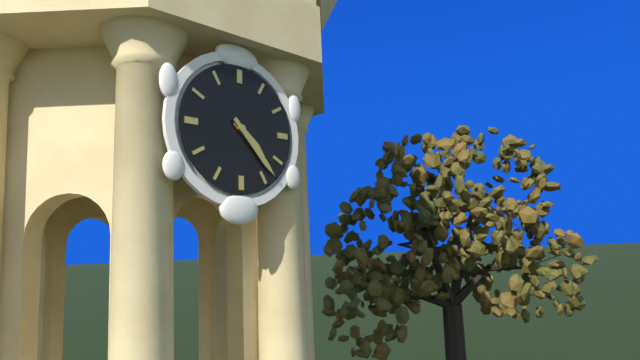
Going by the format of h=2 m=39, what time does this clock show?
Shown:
h=4 m=23
